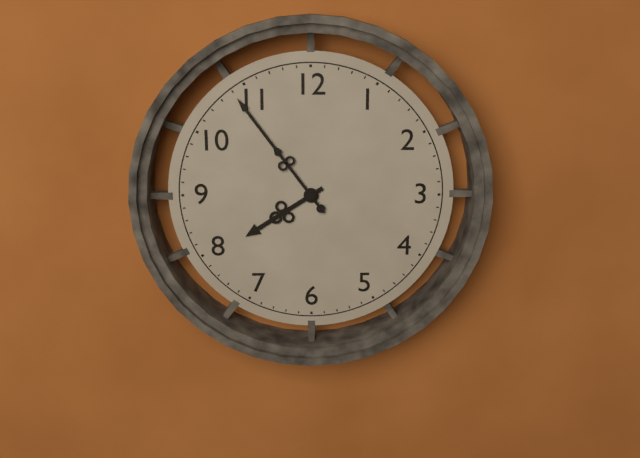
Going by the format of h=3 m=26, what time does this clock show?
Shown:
h=7 m=54
